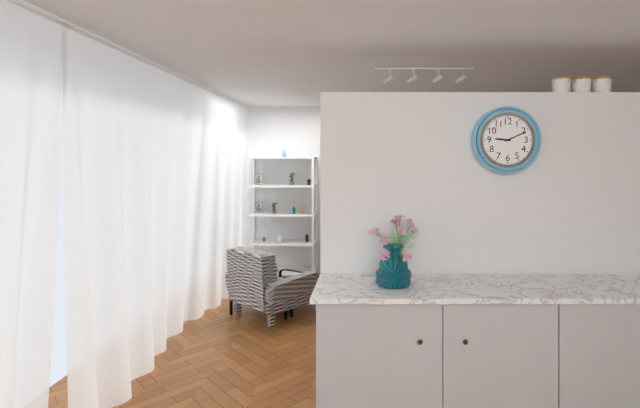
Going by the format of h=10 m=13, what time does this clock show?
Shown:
h=9 m=11
